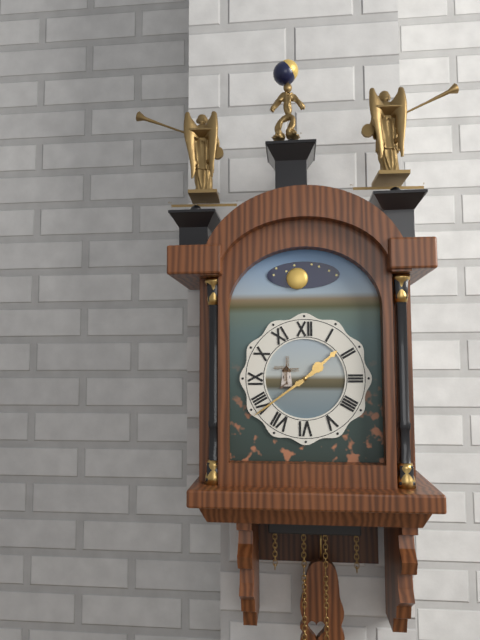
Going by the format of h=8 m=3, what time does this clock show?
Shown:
h=1 m=39
